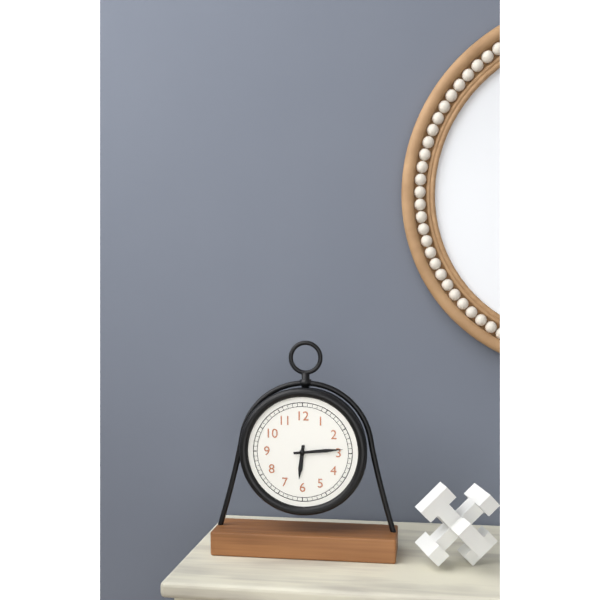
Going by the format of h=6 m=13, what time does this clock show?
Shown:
h=6 m=14
